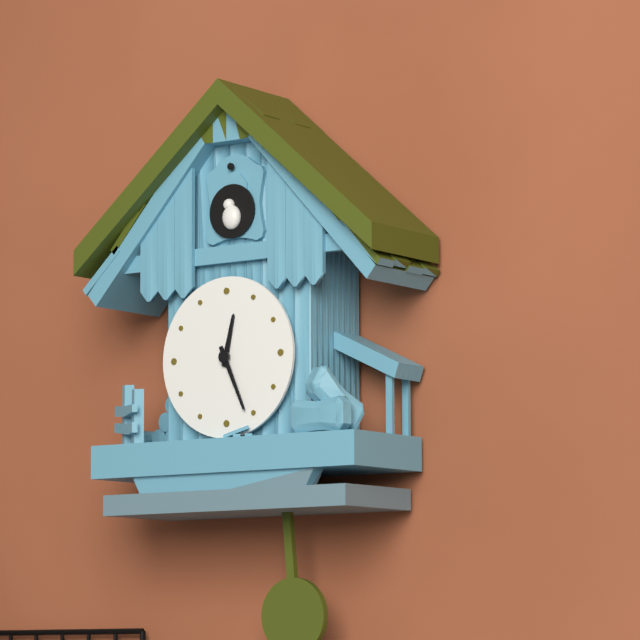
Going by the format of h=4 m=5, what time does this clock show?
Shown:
h=12 m=26
